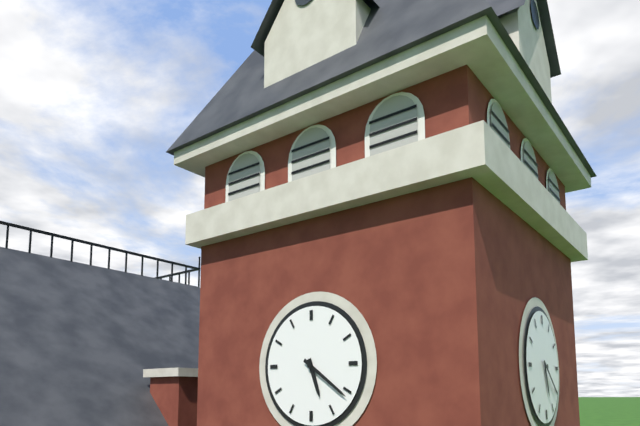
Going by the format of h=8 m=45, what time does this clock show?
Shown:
h=5 m=21
